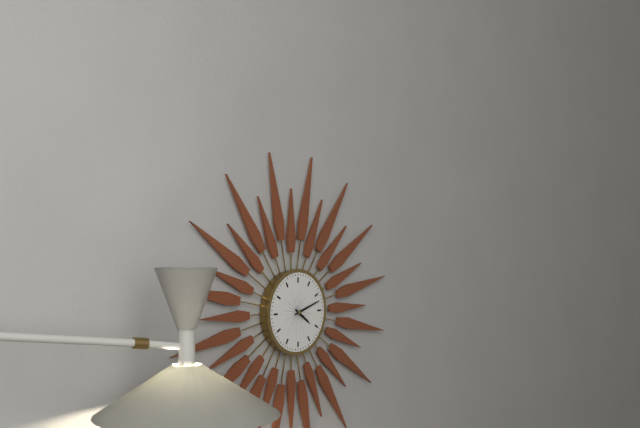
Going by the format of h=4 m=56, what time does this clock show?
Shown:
h=4 m=12
